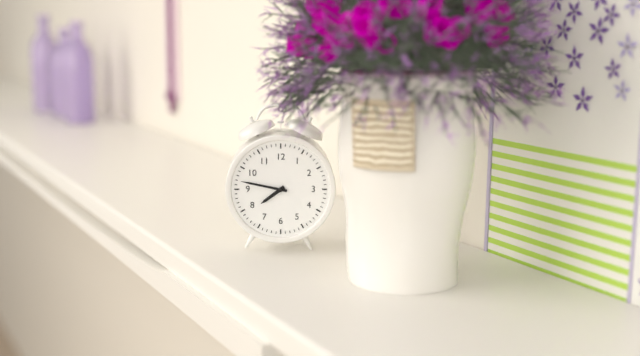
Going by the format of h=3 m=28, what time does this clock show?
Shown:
h=7 m=47
